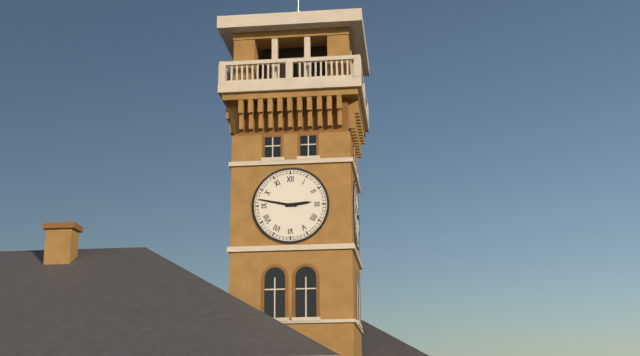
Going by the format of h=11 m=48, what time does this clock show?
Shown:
h=2 m=47
